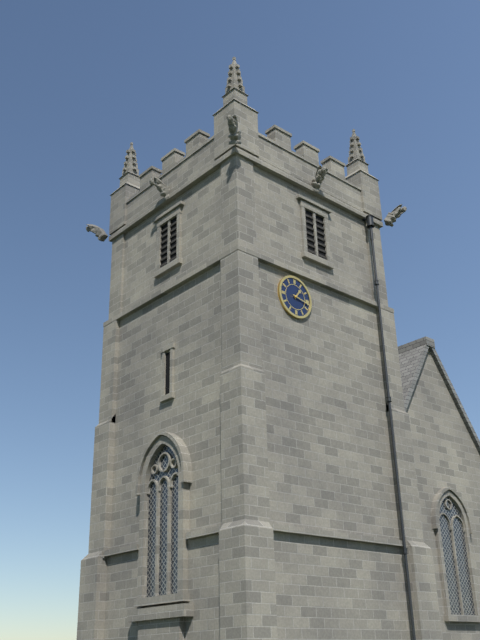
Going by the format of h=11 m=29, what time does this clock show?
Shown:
h=1 m=17
